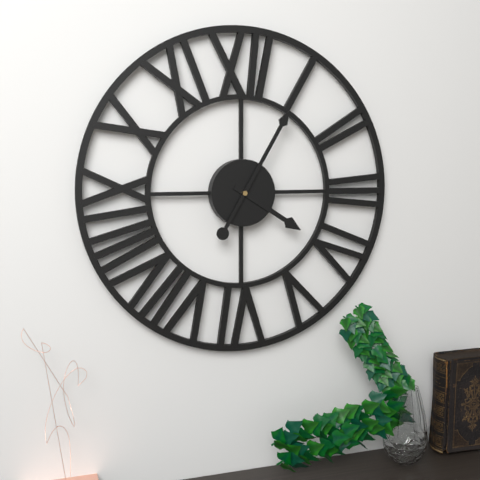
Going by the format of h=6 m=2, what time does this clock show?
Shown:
h=4 m=5
